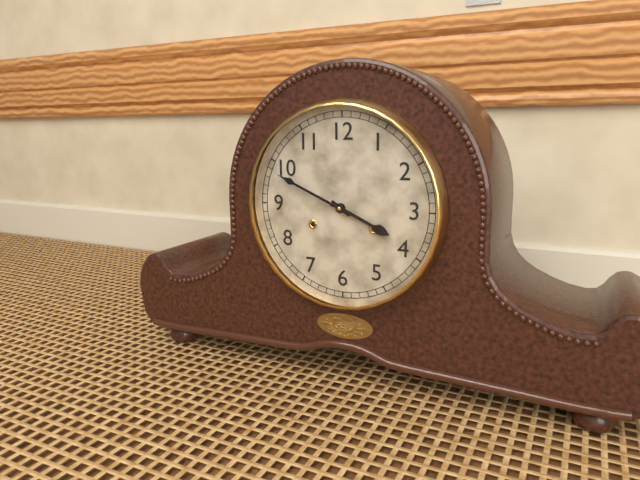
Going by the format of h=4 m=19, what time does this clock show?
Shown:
h=3 m=49
